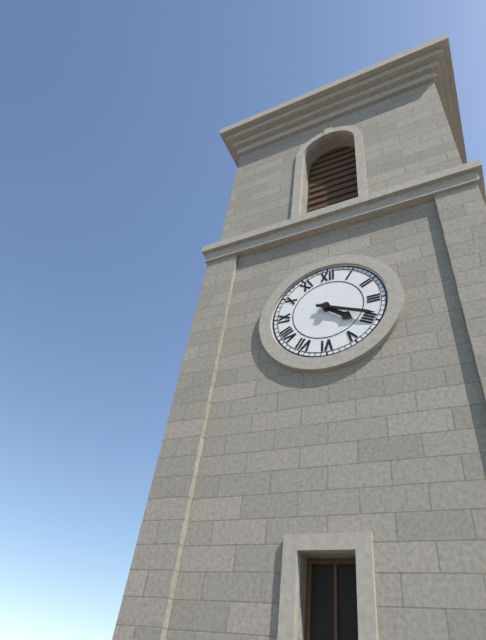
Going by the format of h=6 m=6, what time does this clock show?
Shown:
h=4 m=19
